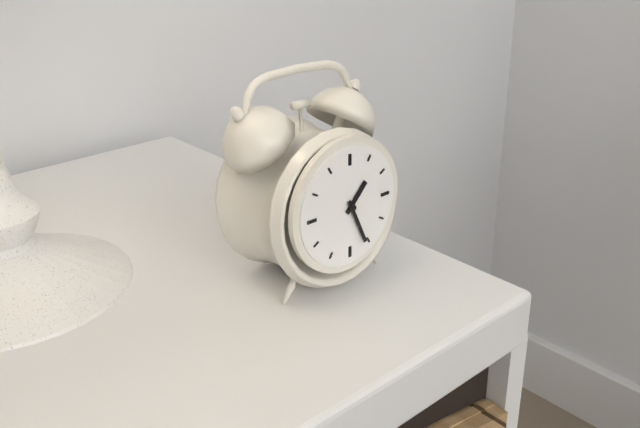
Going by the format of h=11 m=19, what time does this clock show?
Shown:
h=1 m=26
